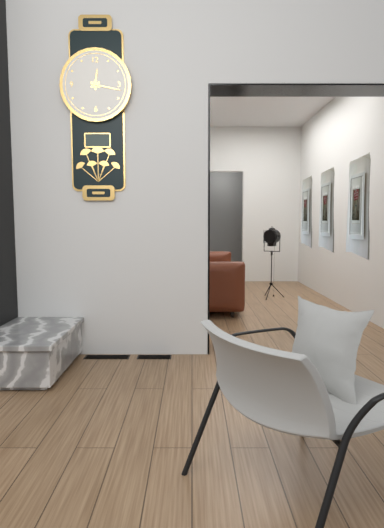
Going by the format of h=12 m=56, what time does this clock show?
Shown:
h=12 m=17
